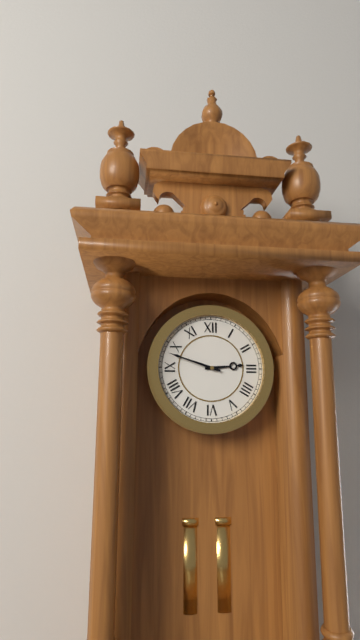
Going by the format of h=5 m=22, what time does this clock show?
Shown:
h=2 m=48
